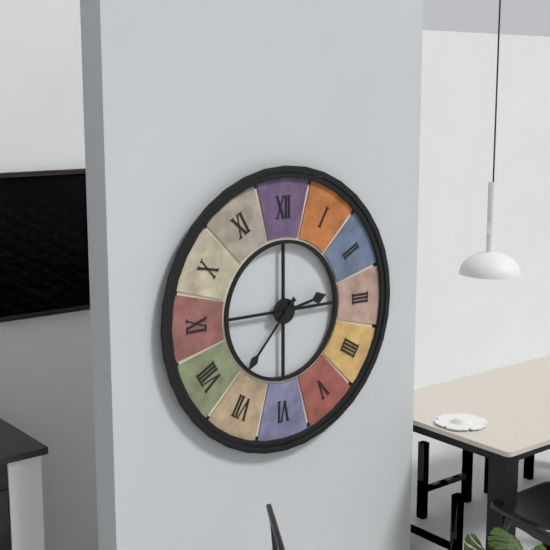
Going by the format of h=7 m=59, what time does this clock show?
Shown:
h=2 m=37
